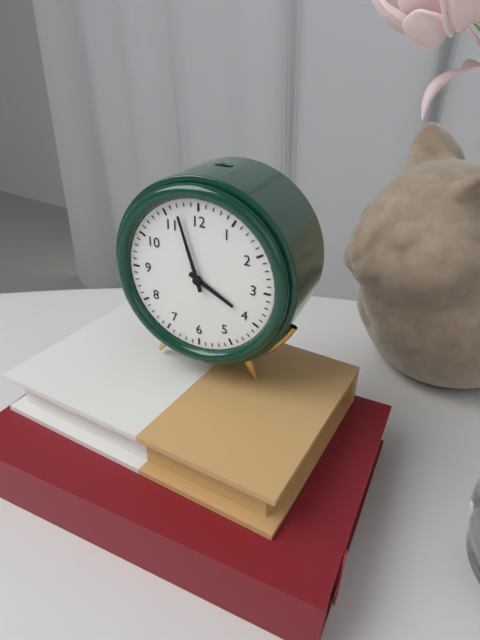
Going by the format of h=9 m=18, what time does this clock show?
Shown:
h=3 m=57
